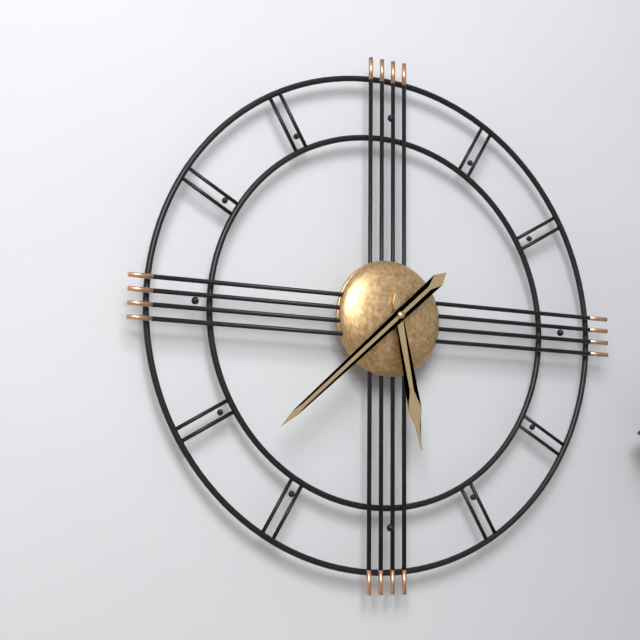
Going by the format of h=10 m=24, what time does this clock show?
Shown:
h=5 m=38
